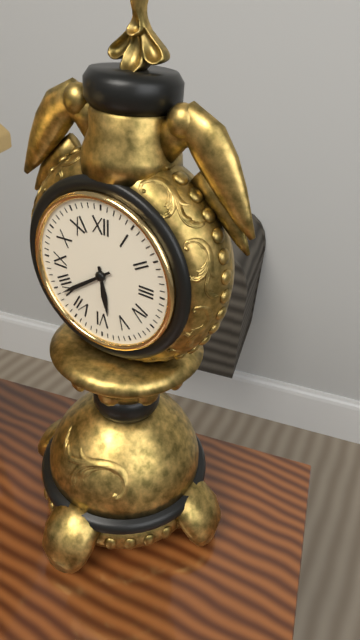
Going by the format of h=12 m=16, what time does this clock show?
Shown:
h=5 m=39
